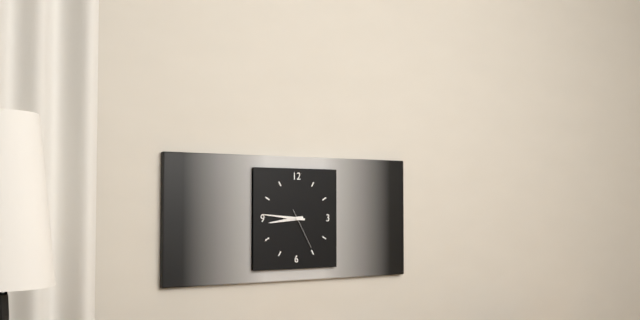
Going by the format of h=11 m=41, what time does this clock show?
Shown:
h=8 m=46
